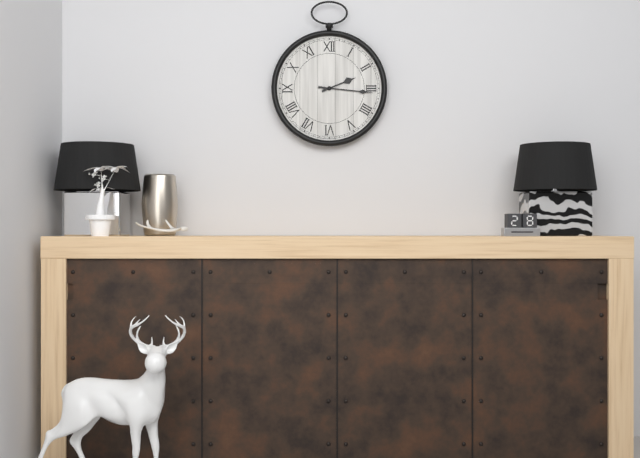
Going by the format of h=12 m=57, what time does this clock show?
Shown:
h=2 m=16
